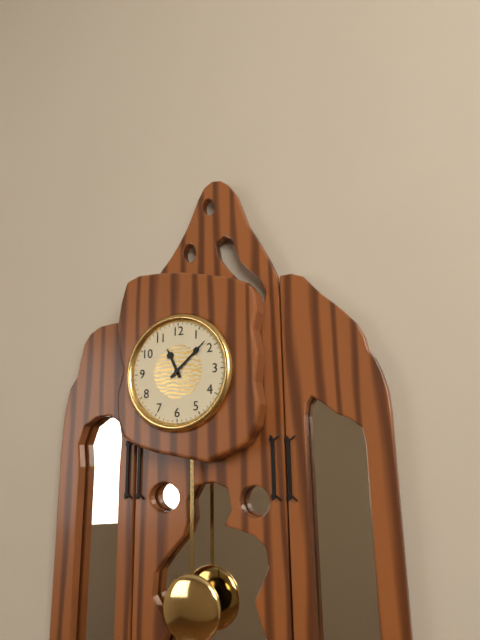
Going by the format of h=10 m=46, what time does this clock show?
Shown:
h=11 m=8
